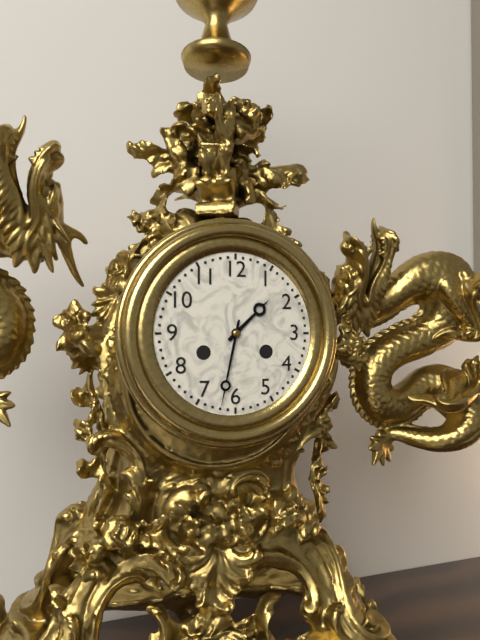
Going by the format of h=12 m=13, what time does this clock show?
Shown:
h=1 m=32
